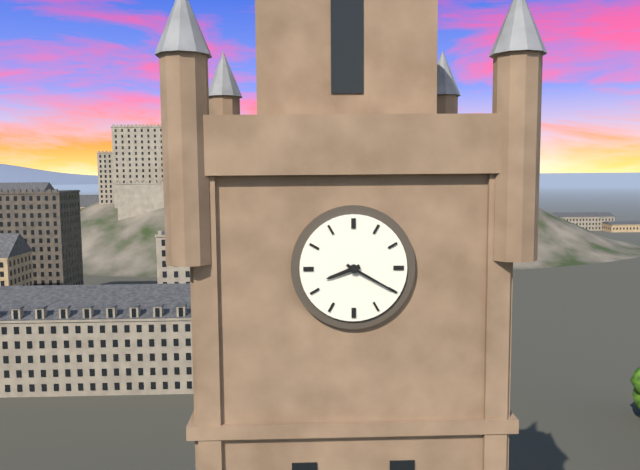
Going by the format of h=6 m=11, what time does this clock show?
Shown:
h=8 m=20
